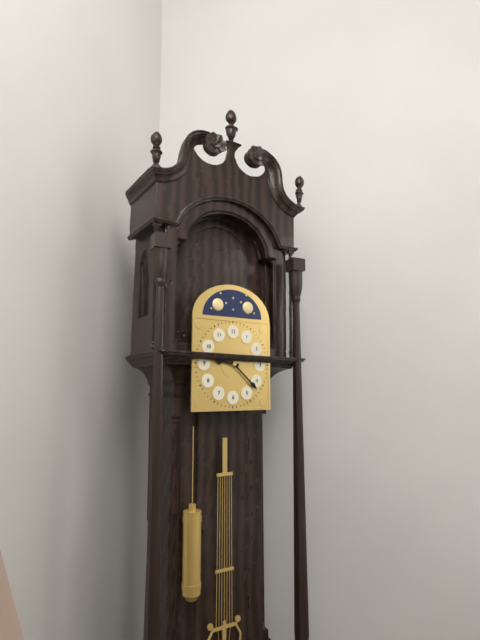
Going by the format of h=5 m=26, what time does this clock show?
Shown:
h=9 m=22
